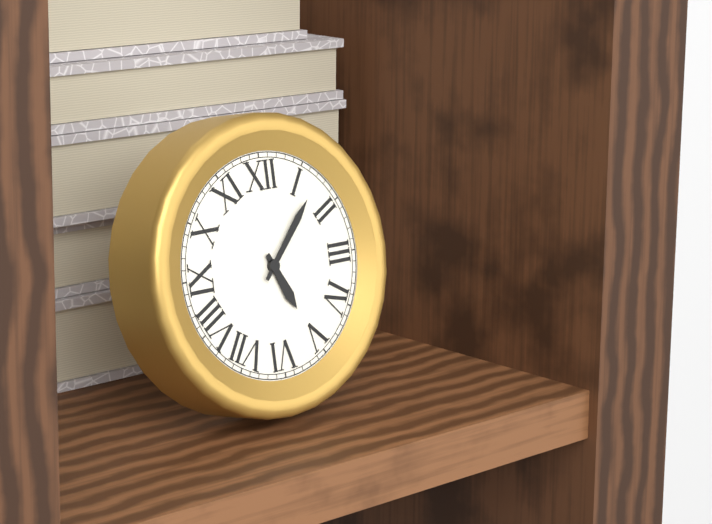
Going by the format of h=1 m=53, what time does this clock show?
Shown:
h=5 m=7
